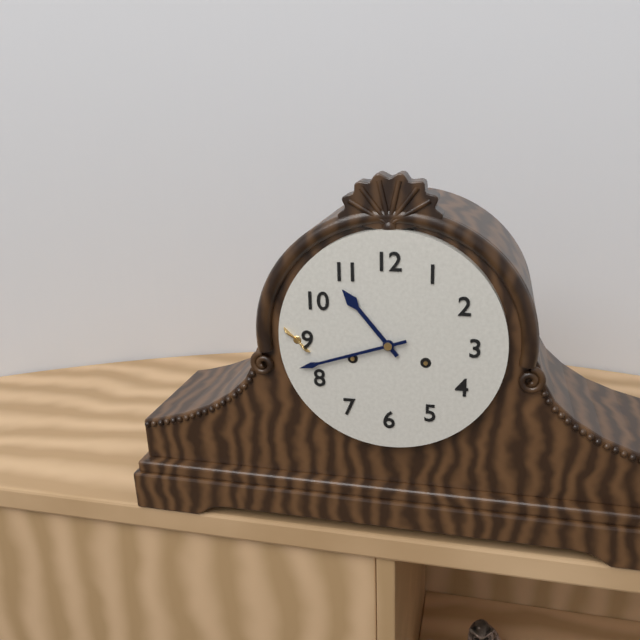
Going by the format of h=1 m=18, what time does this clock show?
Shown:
h=10 m=42
